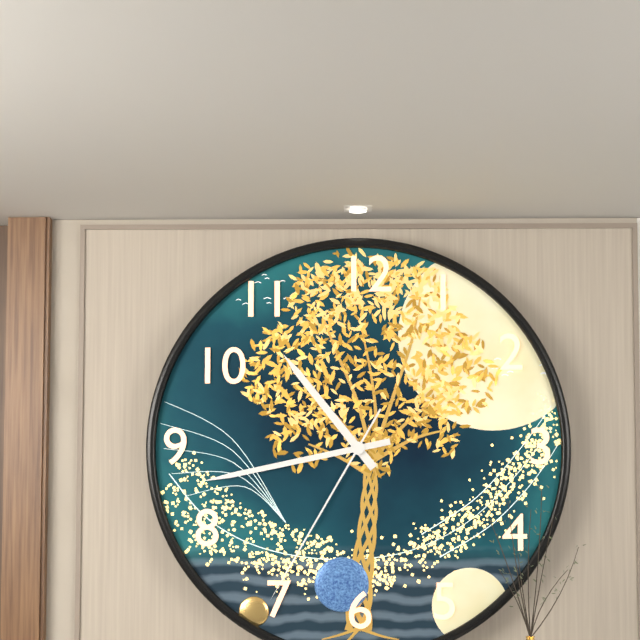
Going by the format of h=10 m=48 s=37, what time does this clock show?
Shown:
h=10 m=43 s=35
